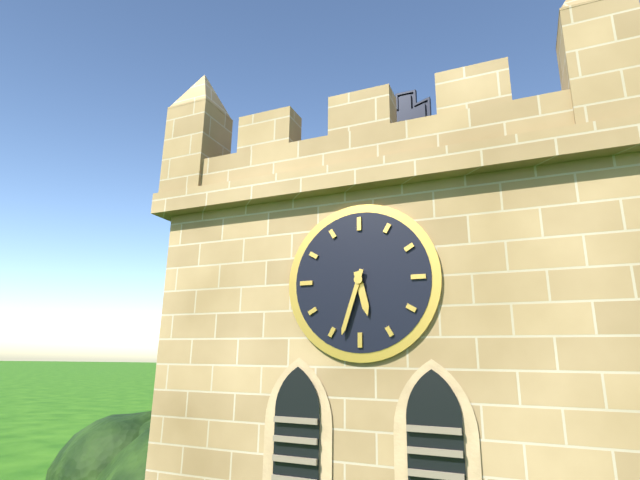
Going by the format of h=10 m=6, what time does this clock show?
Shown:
h=5 m=33
